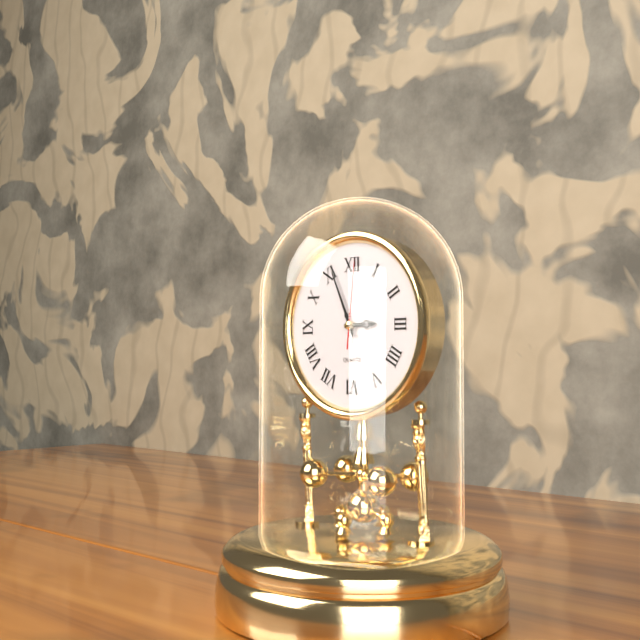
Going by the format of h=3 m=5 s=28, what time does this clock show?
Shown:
h=2 m=56 s=1
